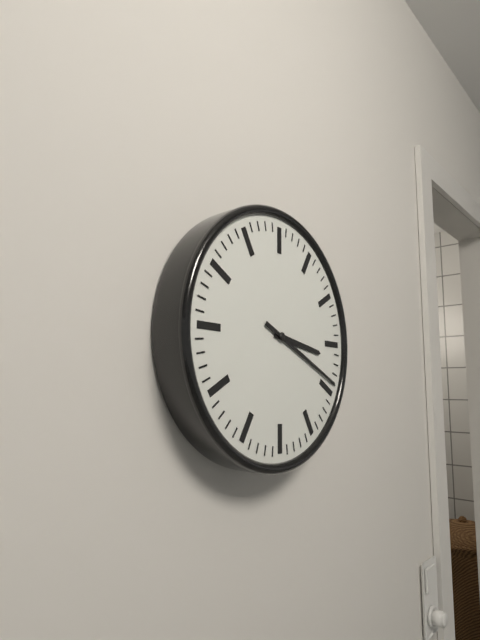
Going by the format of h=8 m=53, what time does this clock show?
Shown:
h=3 m=19
